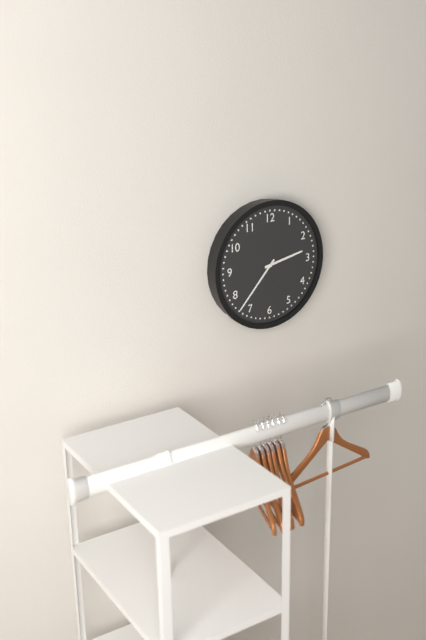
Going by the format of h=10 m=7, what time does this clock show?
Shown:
h=2 m=37
